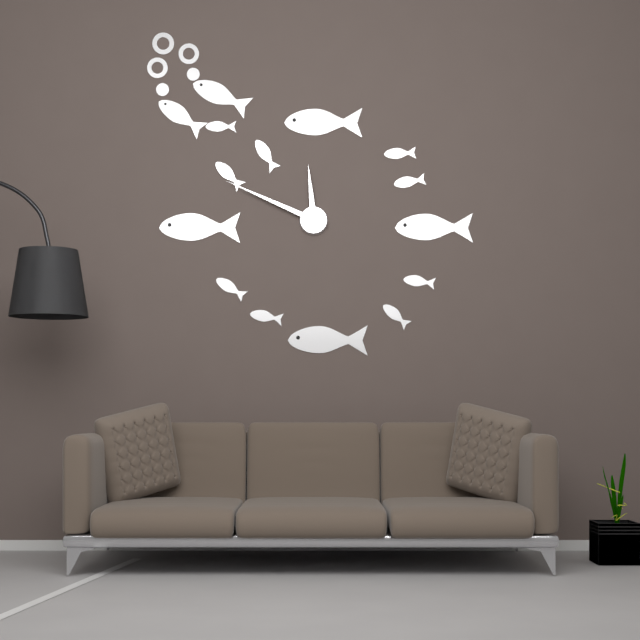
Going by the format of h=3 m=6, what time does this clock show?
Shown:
h=11 m=49
